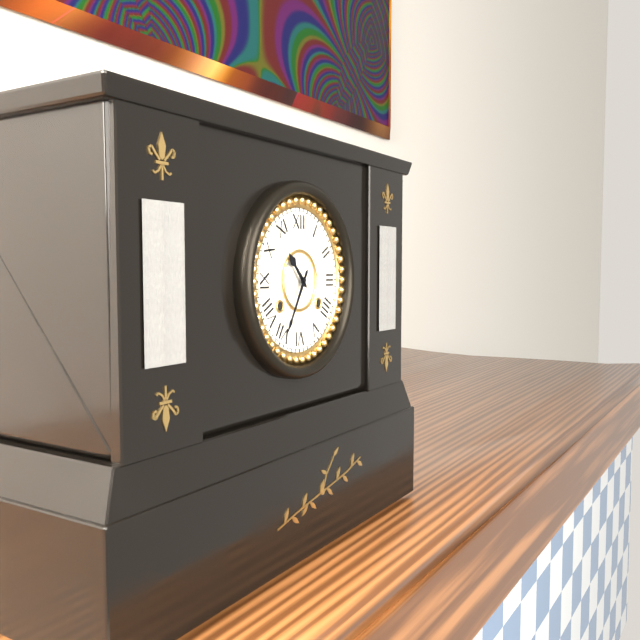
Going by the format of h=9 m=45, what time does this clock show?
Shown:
h=10 m=35
